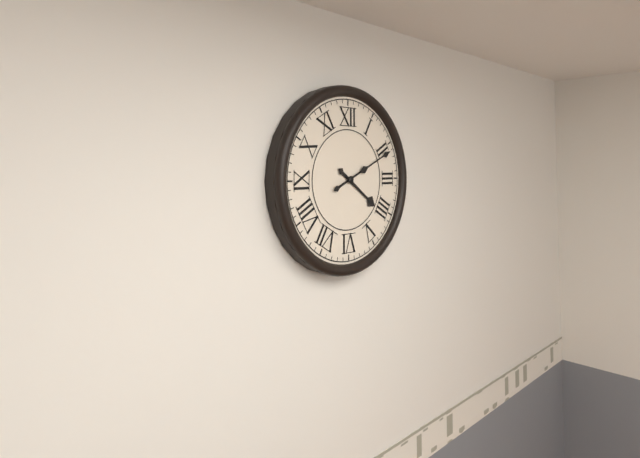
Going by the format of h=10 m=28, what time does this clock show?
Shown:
h=4 m=11
